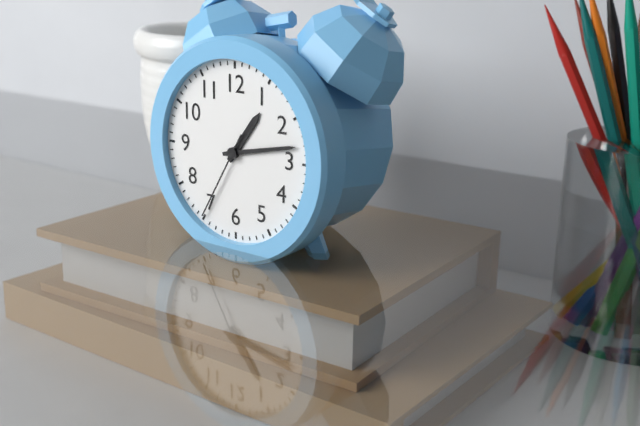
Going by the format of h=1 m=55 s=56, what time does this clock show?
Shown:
h=1 m=13 s=35
